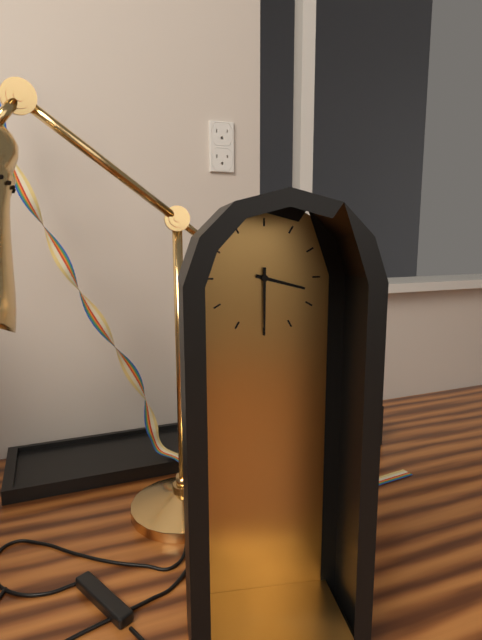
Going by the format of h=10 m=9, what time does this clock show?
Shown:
h=3 m=30
